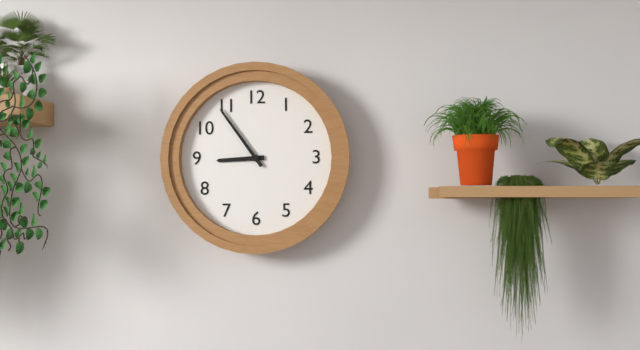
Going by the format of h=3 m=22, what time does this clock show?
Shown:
h=8 m=54
